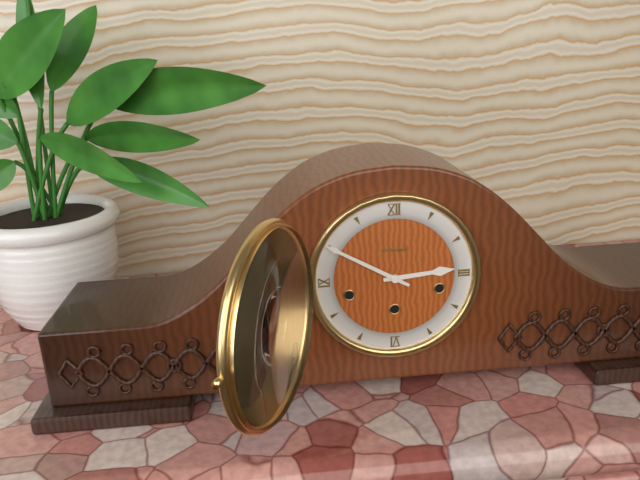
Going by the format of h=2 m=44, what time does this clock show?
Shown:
h=2 m=50
